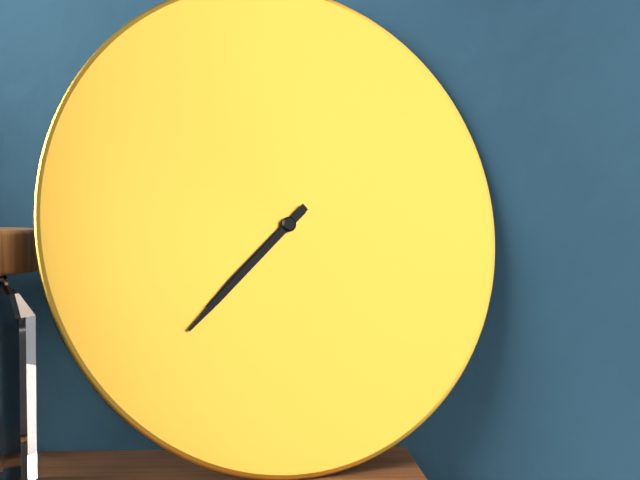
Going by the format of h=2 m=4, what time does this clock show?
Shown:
h=7 m=38
